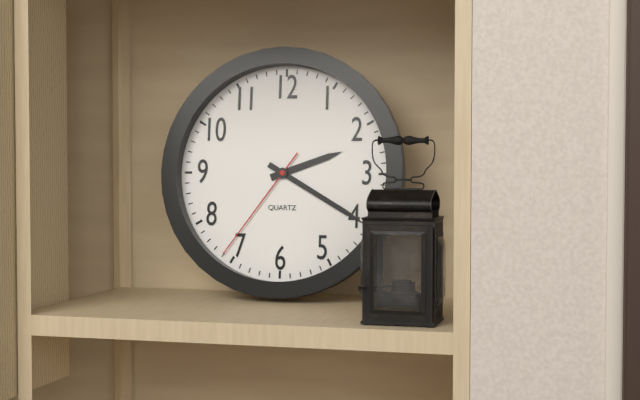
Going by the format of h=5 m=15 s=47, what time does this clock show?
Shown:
h=2 m=20 s=36
